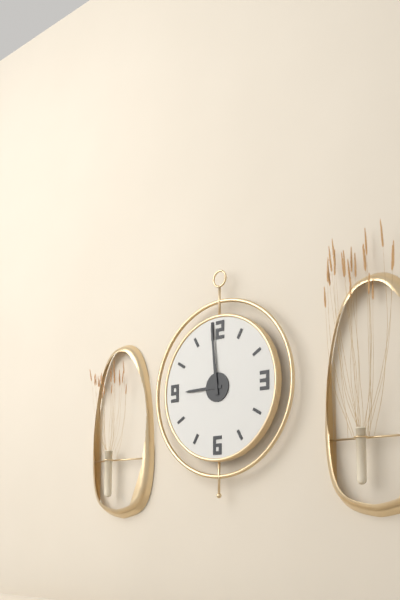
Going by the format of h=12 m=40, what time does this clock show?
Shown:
h=8 m=59
